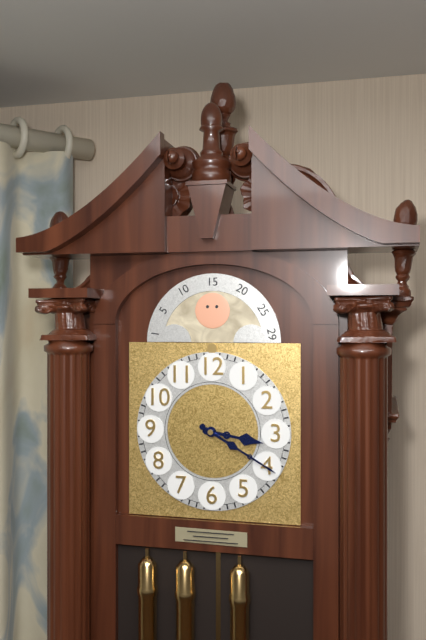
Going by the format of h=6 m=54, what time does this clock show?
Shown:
h=3 m=20
